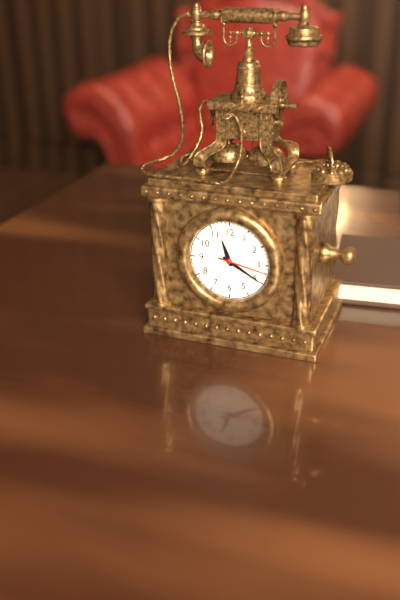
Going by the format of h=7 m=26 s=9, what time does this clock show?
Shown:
h=11 m=20 s=17
